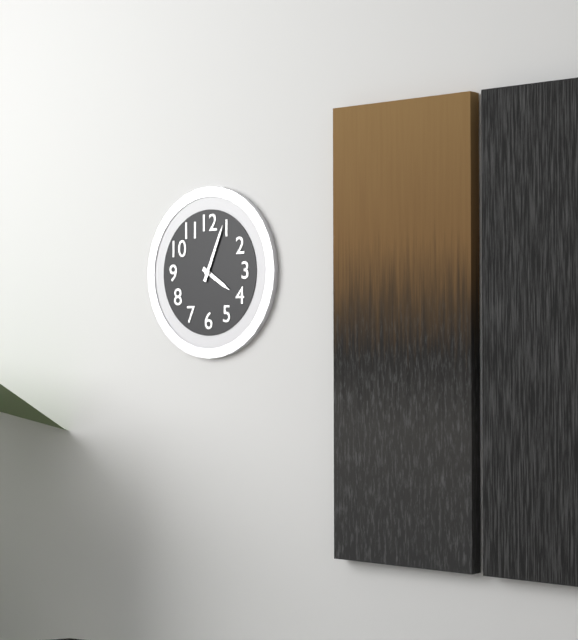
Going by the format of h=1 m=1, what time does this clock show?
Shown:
h=4 m=4
